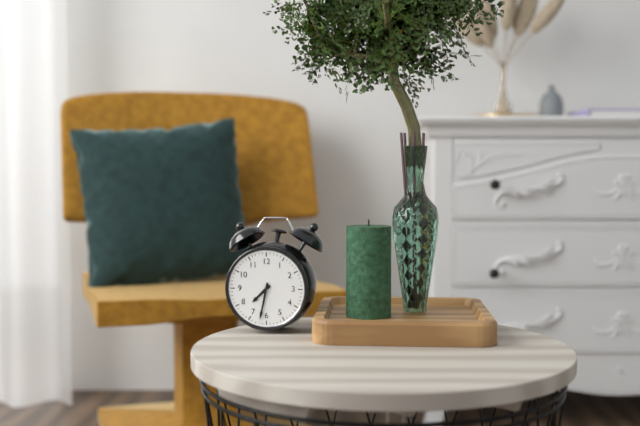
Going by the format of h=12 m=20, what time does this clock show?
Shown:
h=7 m=32
